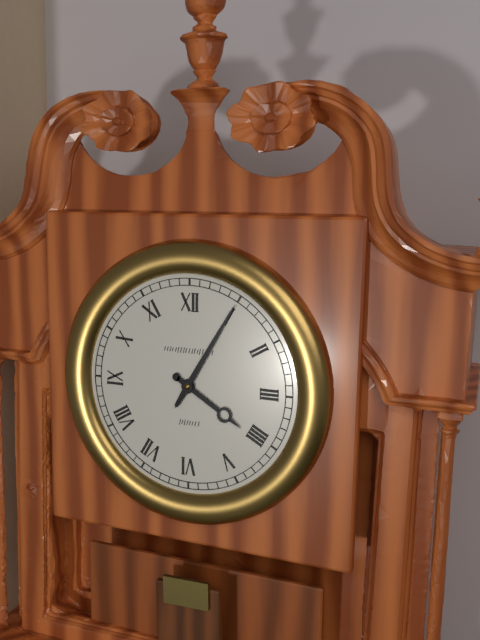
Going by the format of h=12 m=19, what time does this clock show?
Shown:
h=4 m=5
